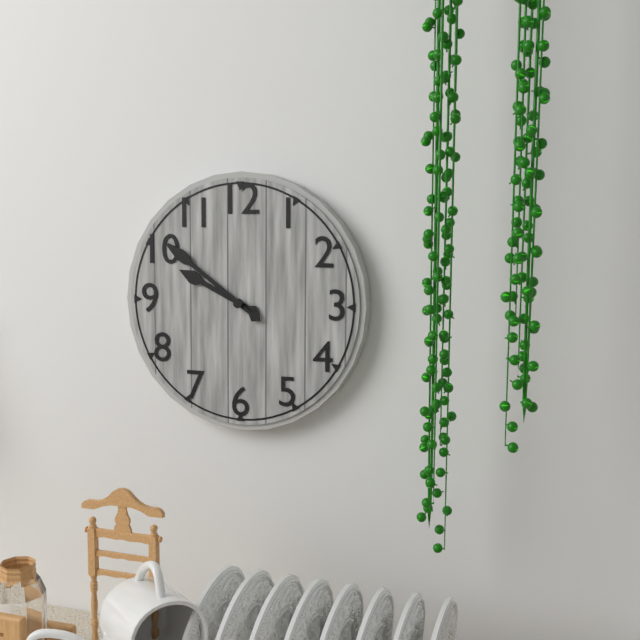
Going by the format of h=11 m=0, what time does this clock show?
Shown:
h=9 m=51
